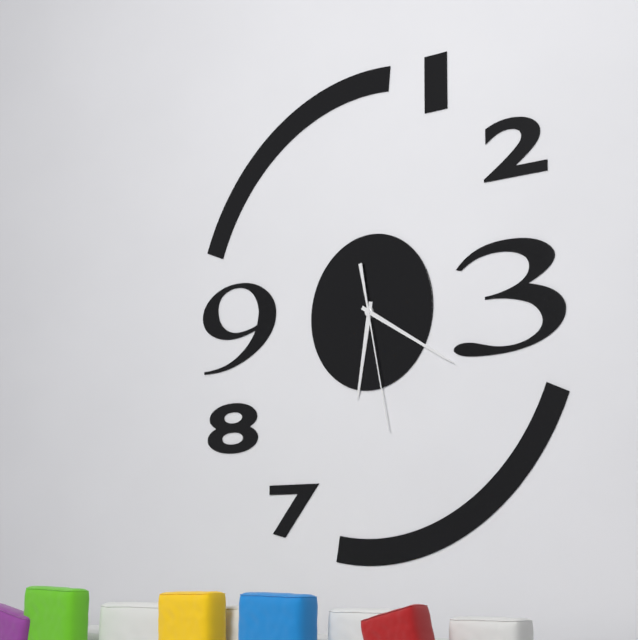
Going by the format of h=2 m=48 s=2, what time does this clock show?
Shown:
h=6 m=20 s=28
